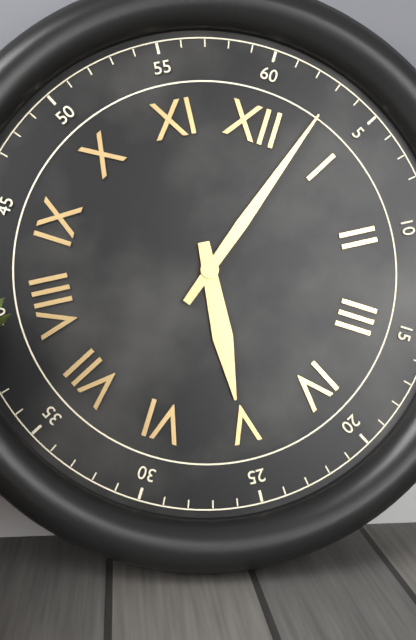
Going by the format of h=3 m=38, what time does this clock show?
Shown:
h=5 m=3
